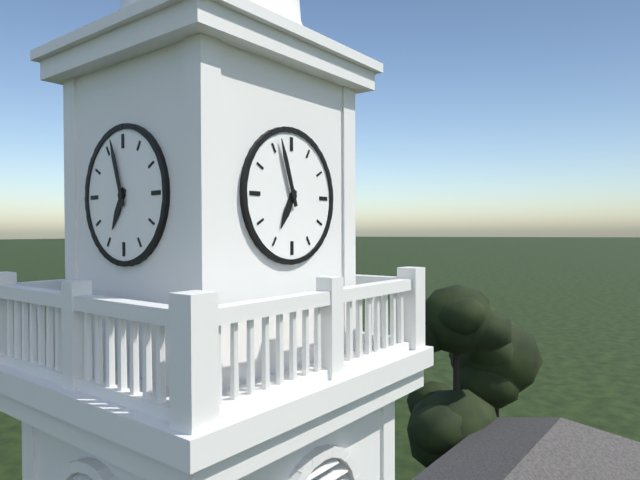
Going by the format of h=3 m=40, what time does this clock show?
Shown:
h=6 m=57
